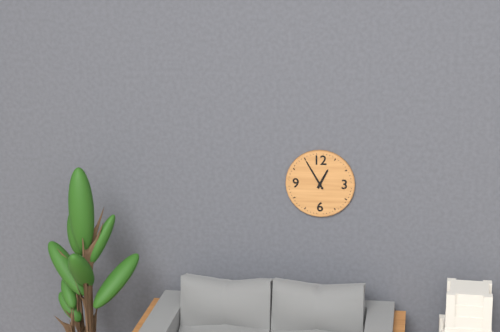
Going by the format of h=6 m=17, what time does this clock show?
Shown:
h=12 m=55
